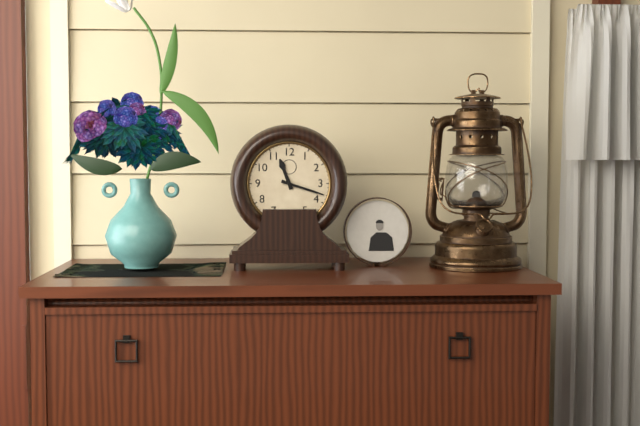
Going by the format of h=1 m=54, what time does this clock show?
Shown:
h=11 m=18
